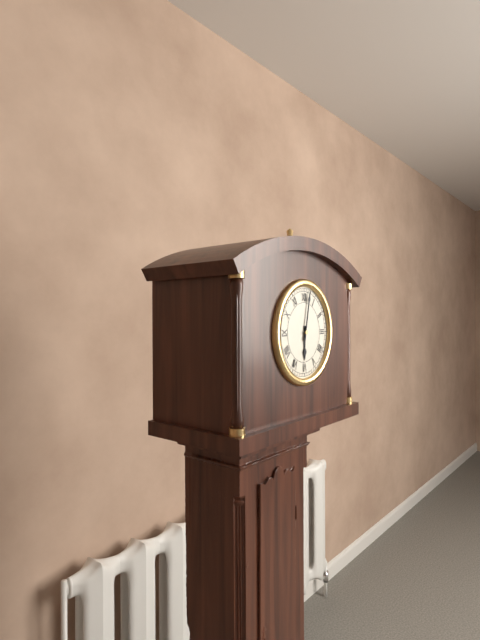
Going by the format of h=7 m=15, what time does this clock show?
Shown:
h=6 m=2
